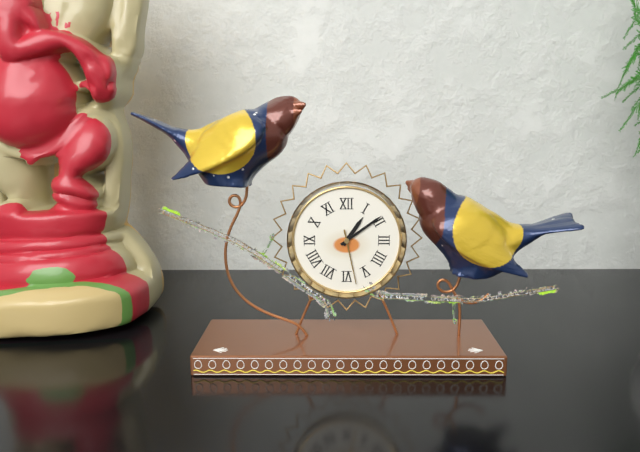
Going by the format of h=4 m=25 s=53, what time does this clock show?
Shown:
h=1 m=9 s=28
